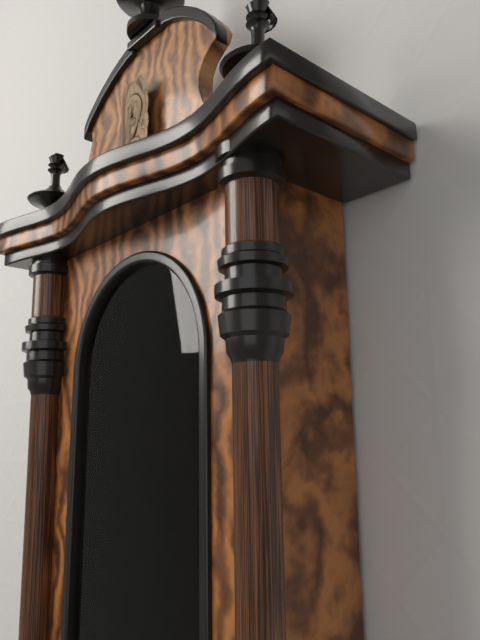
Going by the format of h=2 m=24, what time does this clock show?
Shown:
h=12 m=4
